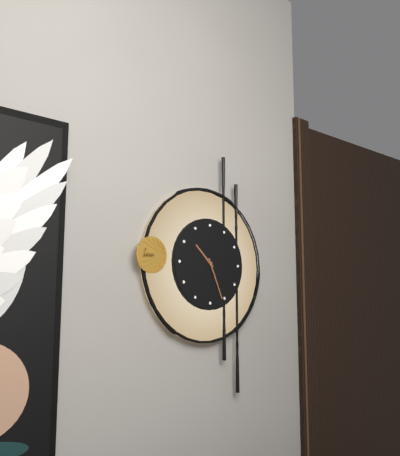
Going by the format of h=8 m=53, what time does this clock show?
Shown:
h=10 m=26
